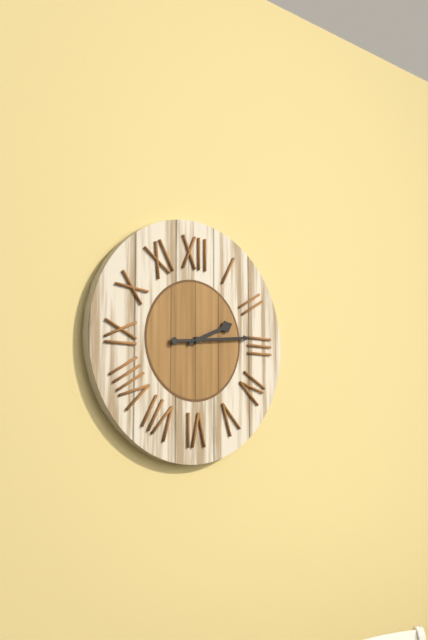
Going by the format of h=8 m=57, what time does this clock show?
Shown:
h=2 m=14
